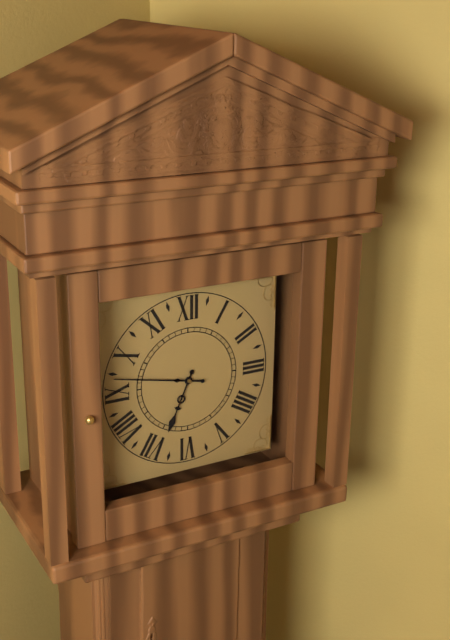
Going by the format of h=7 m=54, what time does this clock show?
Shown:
h=6 m=47
